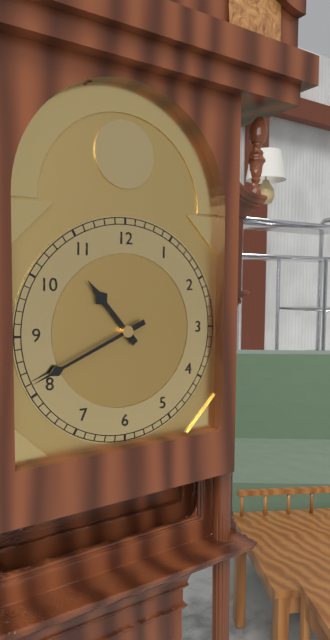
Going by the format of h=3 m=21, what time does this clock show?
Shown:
h=10 m=41
